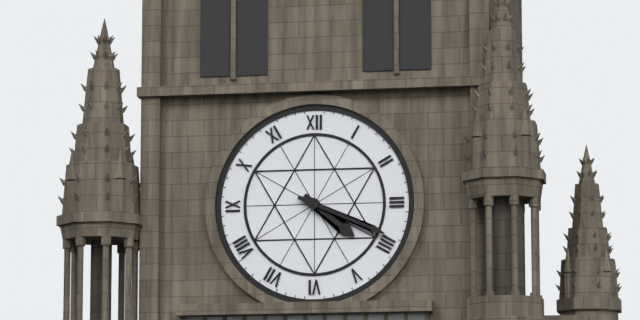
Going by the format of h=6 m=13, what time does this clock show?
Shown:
h=4 m=19
